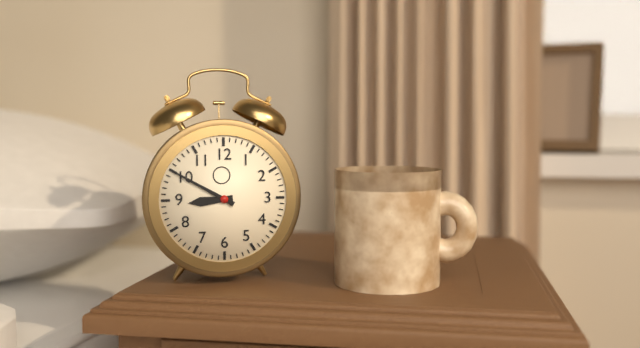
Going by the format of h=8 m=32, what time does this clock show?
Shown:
h=8 m=50
